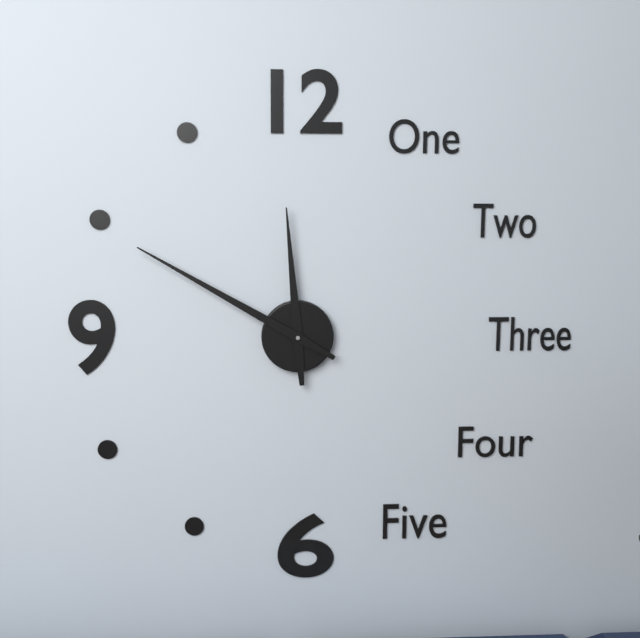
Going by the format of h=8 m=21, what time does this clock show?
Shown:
h=11 m=50
